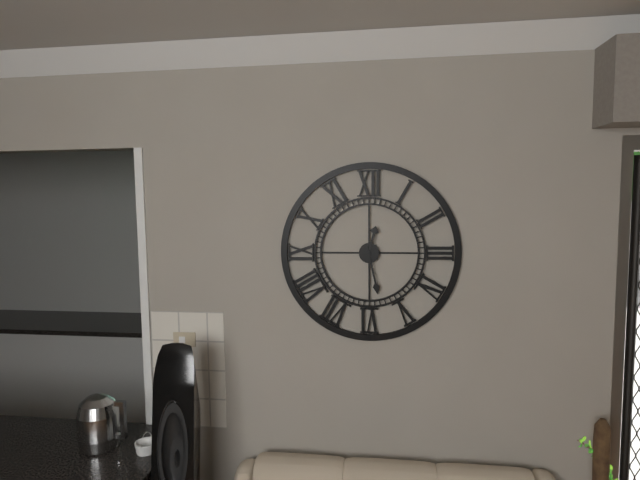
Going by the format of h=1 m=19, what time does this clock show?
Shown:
h=12 m=28
